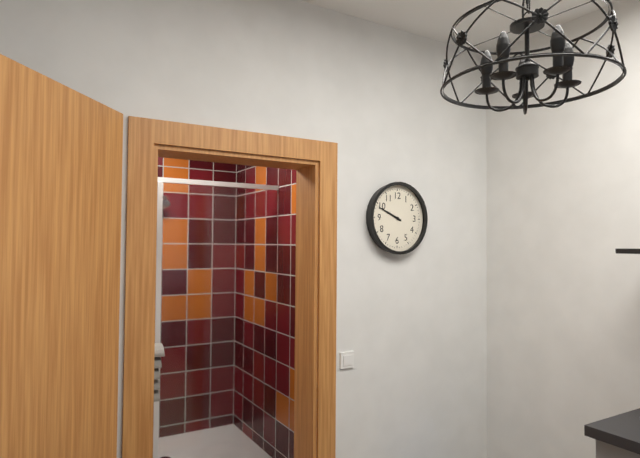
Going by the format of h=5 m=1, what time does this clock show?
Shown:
h=9 m=49
